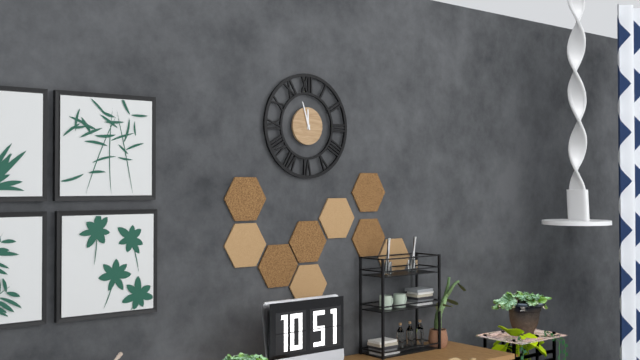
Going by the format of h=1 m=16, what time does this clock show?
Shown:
h=11 m=57
